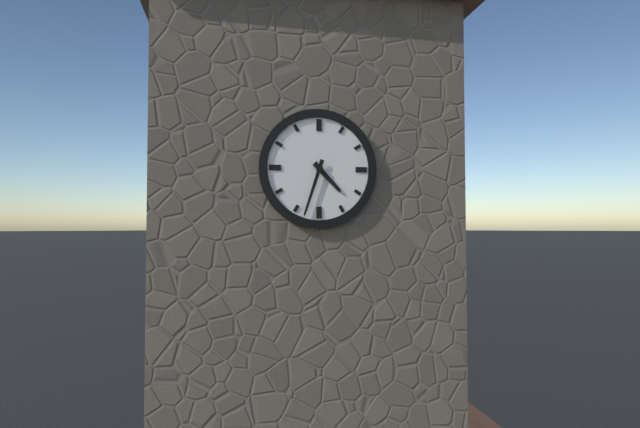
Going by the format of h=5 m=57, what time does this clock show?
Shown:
h=4 m=33
